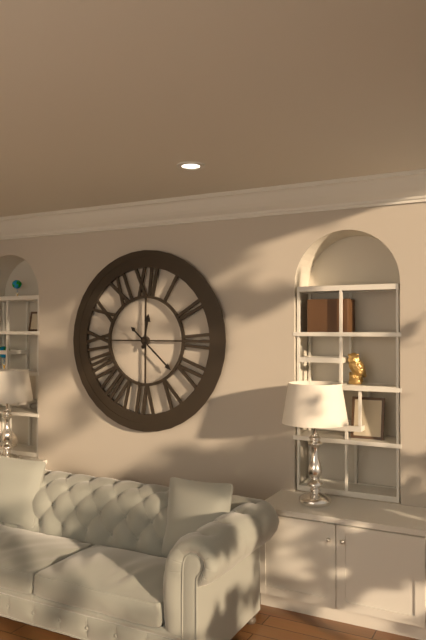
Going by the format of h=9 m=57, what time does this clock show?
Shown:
h=12 m=22
